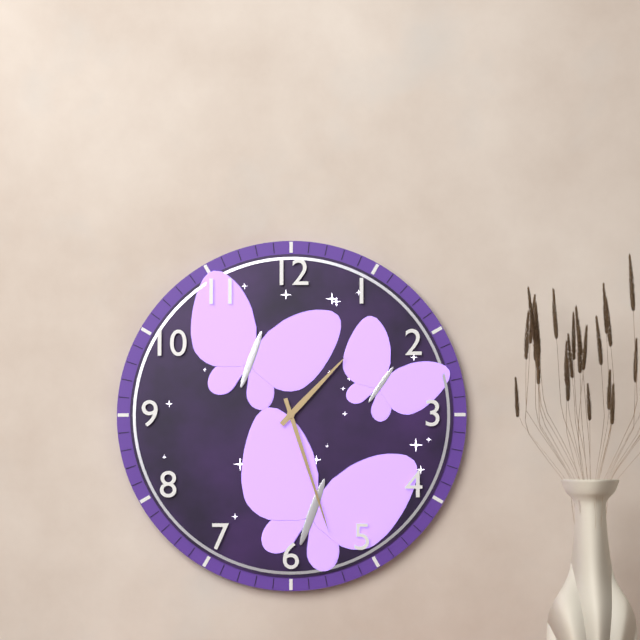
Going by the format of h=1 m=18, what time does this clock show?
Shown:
h=1 m=27
